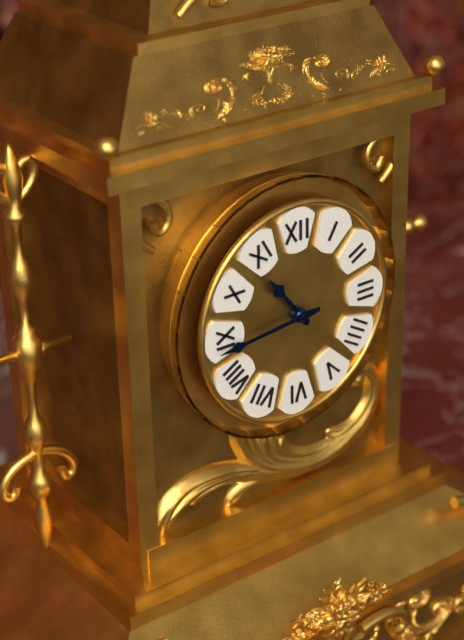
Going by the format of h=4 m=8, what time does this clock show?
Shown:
h=10 m=44
